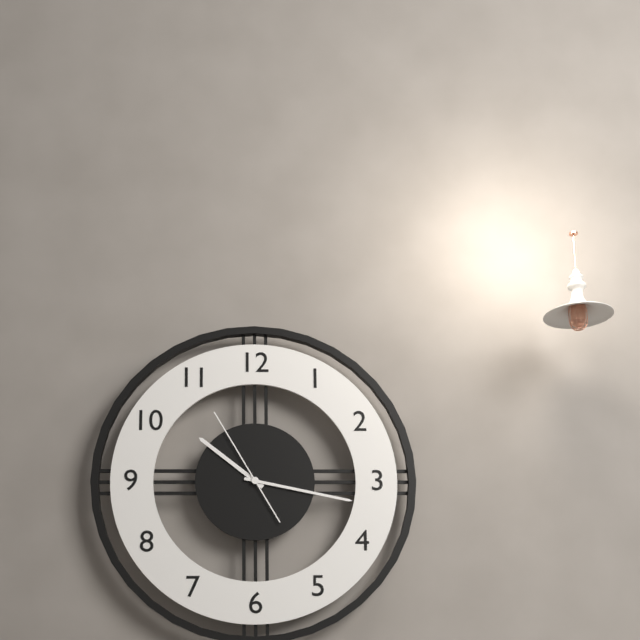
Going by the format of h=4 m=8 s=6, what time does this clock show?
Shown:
h=10 m=17 s=55
